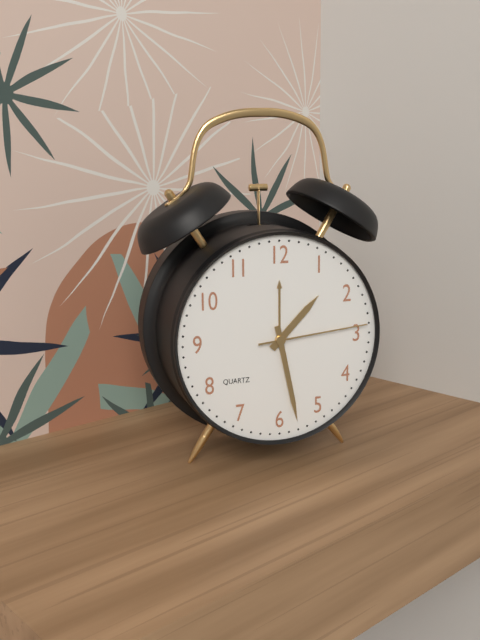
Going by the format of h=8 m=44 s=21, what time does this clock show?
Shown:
h=1 m=28 s=14
